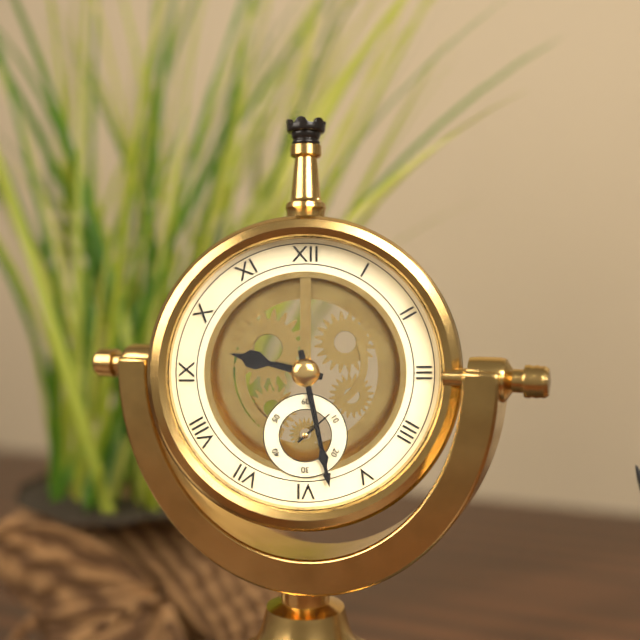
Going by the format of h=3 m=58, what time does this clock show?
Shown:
h=9 m=28
